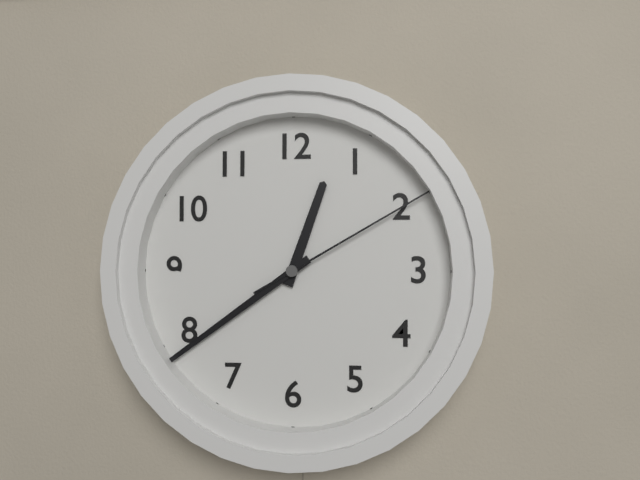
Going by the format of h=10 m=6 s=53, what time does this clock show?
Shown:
h=12 m=39 s=10
